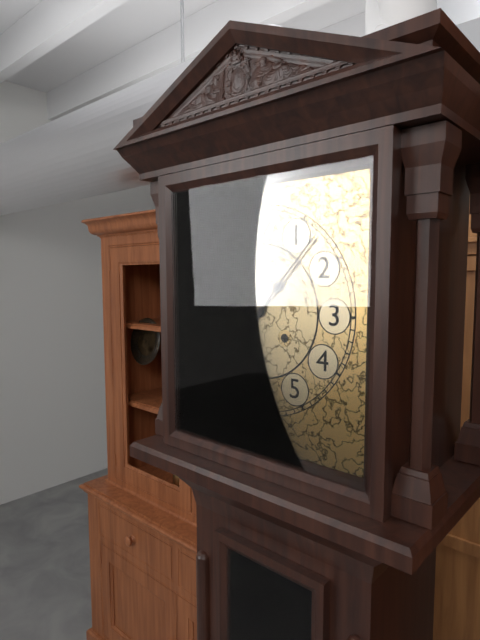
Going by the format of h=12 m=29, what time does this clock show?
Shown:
h=7 m=7
